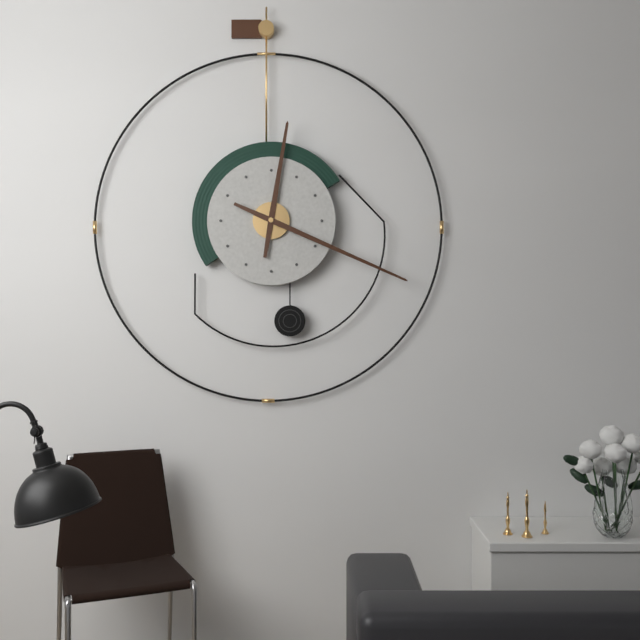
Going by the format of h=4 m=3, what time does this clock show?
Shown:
h=12 m=19
